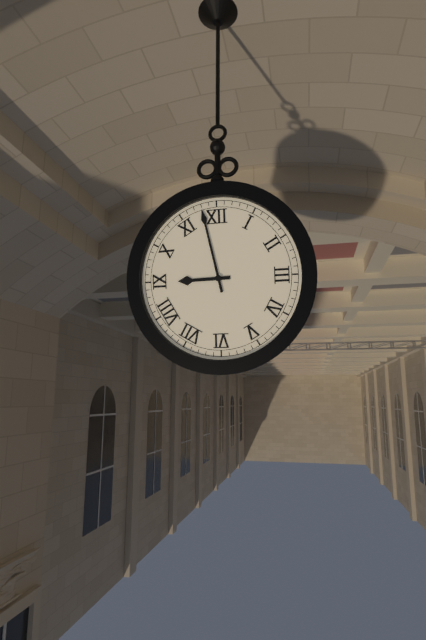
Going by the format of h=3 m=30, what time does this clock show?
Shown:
h=8 m=58
